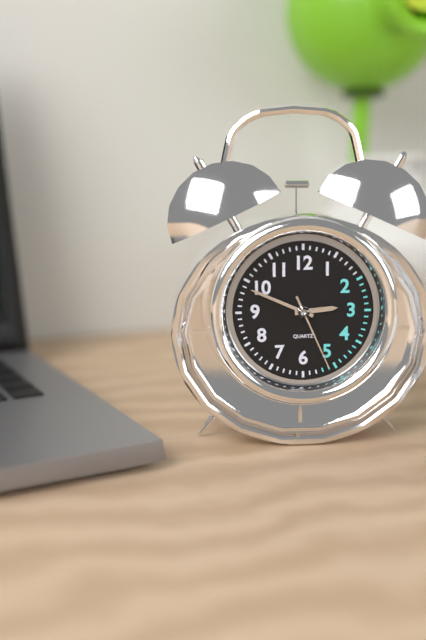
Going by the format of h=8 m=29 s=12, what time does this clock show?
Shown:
h=2 m=49 s=26
